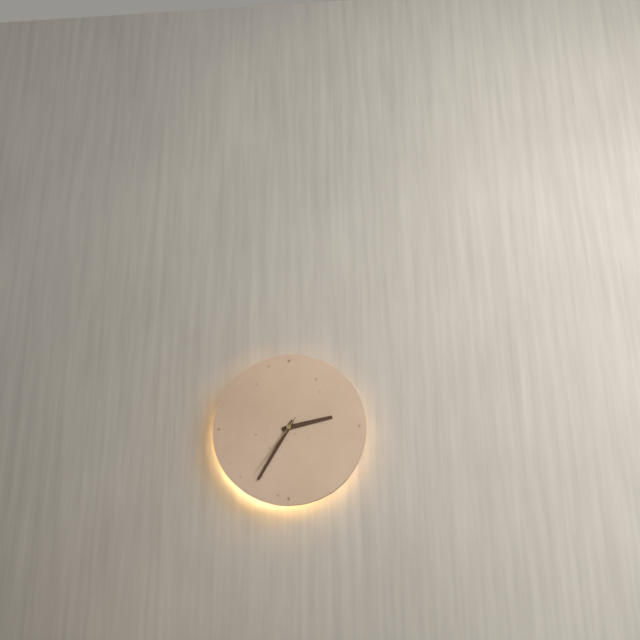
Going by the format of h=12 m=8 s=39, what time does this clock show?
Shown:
h=2 m=35 s=36
